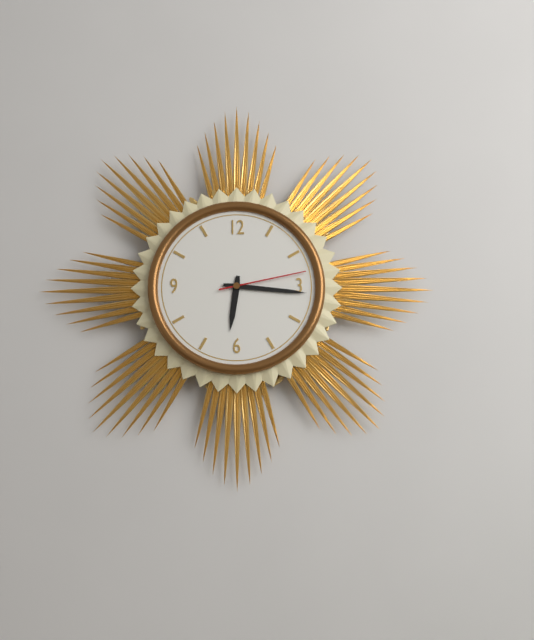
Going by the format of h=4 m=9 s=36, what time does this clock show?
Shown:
h=6 m=16 s=13
